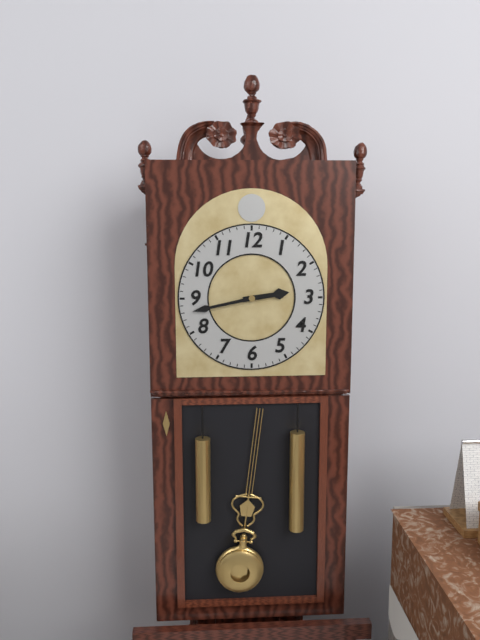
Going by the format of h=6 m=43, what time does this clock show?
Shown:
h=2 m=43
